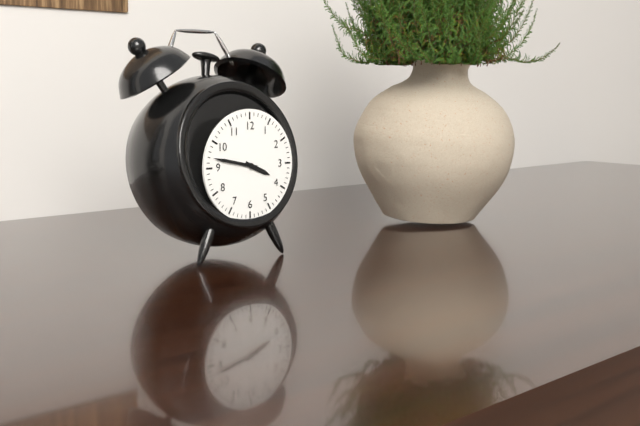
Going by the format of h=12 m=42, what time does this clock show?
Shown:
h=3 m=47
